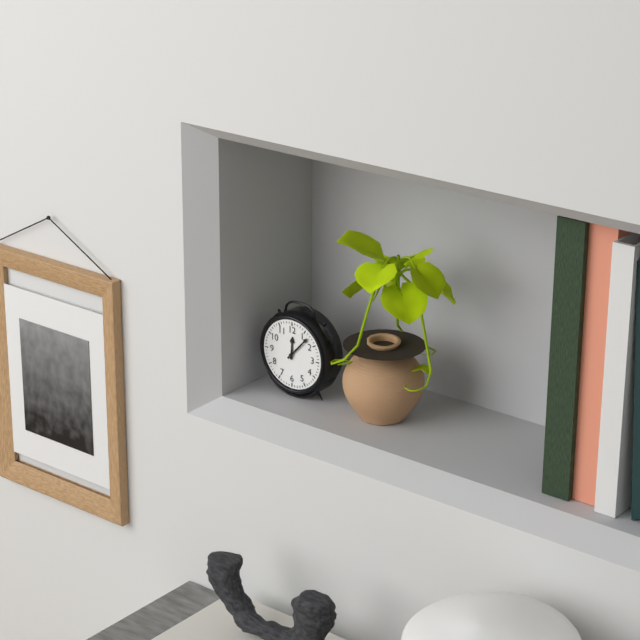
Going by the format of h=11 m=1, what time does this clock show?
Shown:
h=12 m=7
